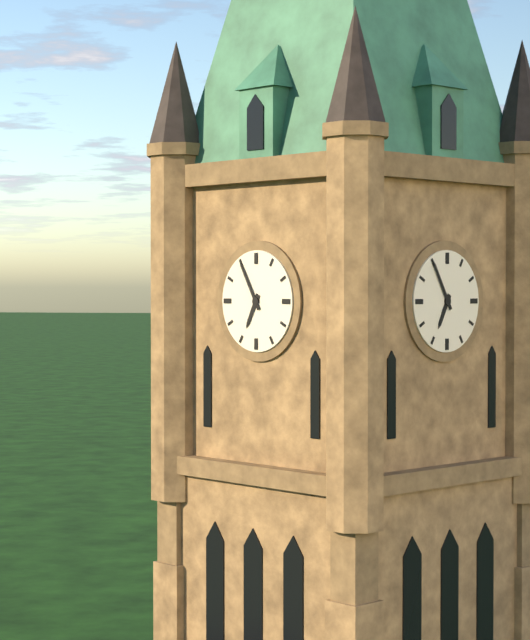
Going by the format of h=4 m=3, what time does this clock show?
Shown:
h=6 m=55
